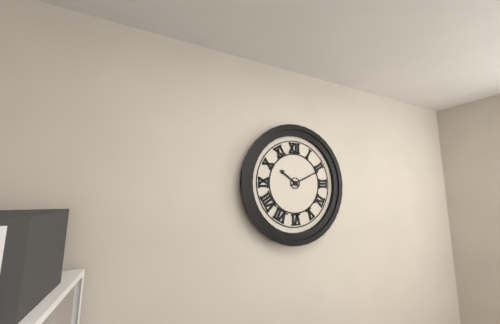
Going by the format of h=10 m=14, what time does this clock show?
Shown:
h=10 m=11
